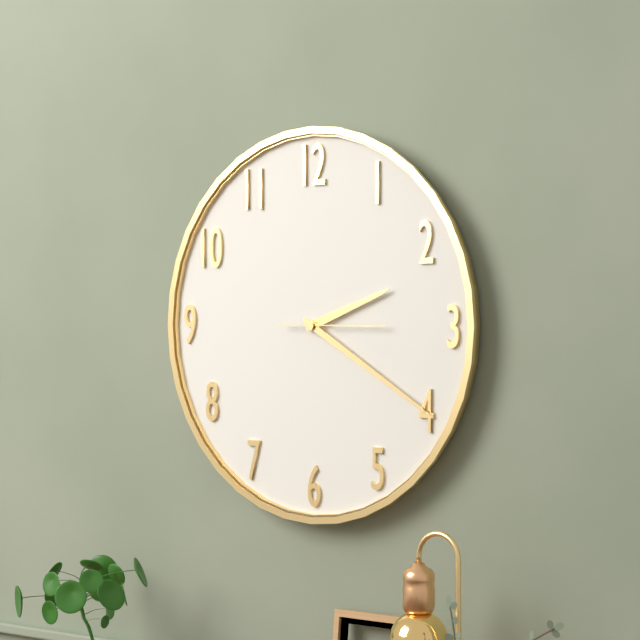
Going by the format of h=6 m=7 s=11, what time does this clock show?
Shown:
h=2 m=20 s=15
